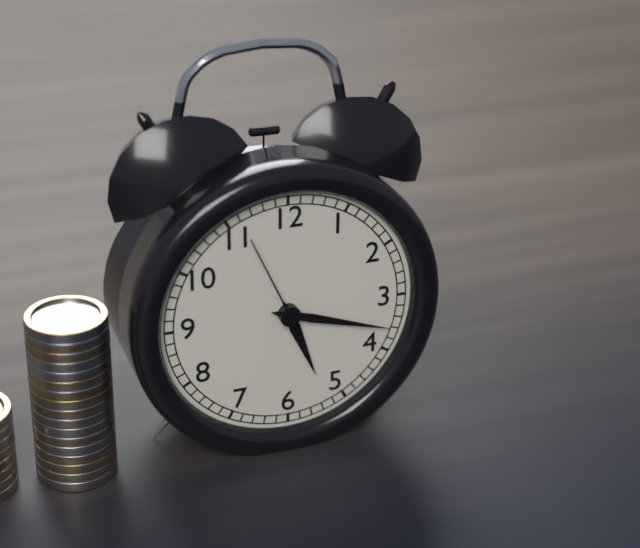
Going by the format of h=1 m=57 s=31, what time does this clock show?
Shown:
h=5 m=18 s=56
